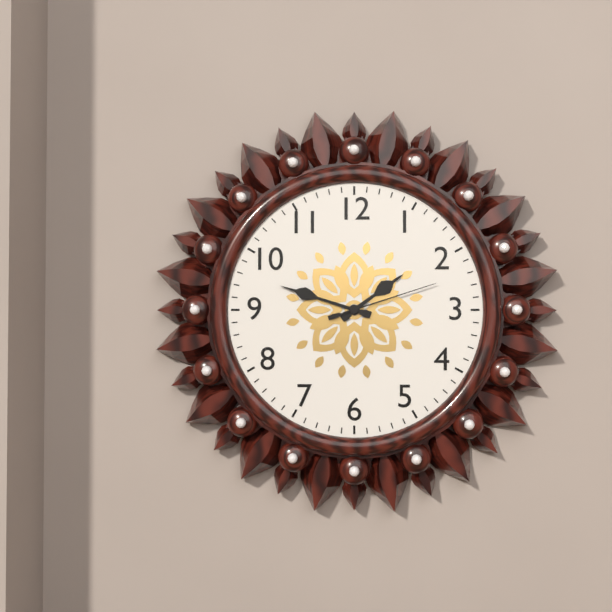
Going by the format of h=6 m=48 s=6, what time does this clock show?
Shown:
h=1 m=48 s=12
